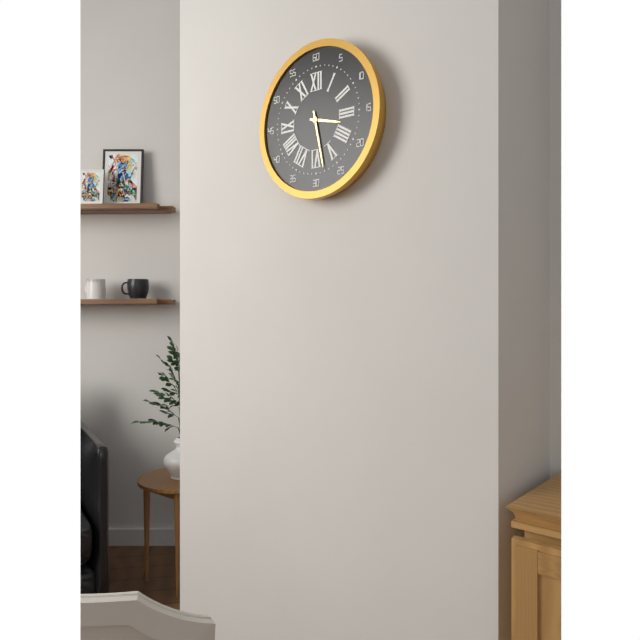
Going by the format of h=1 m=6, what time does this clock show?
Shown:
h=3 m=28
